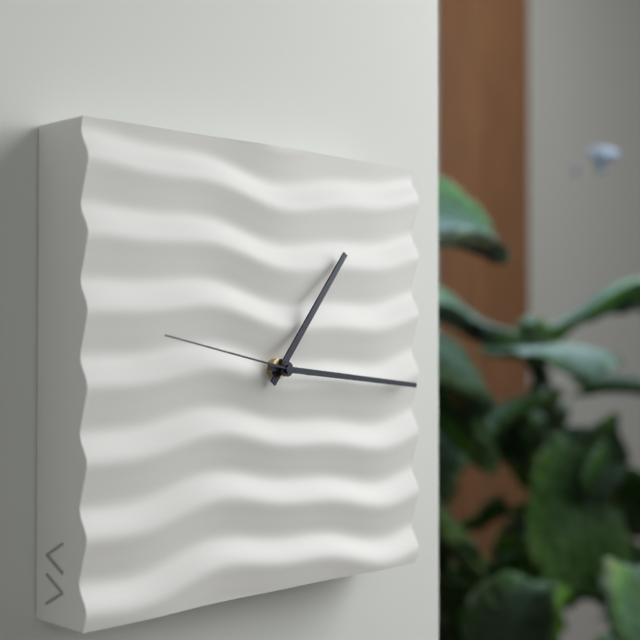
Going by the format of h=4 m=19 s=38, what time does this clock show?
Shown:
h=1 m=16 s=47
